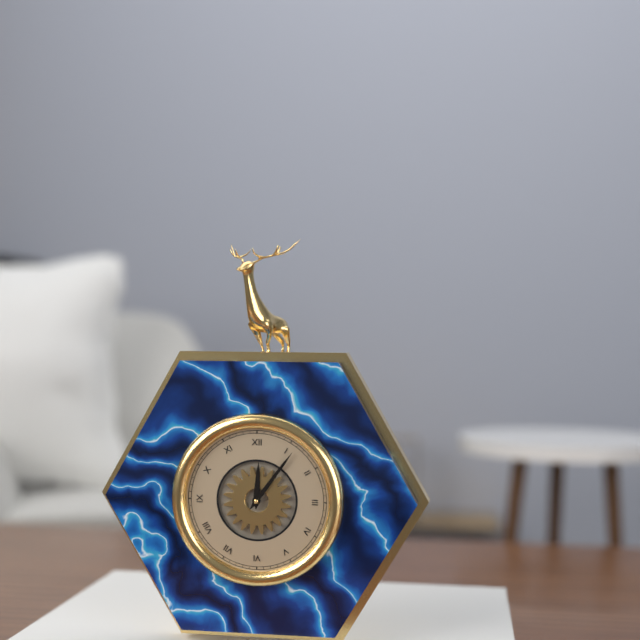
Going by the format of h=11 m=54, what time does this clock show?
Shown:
h=12 m=6
